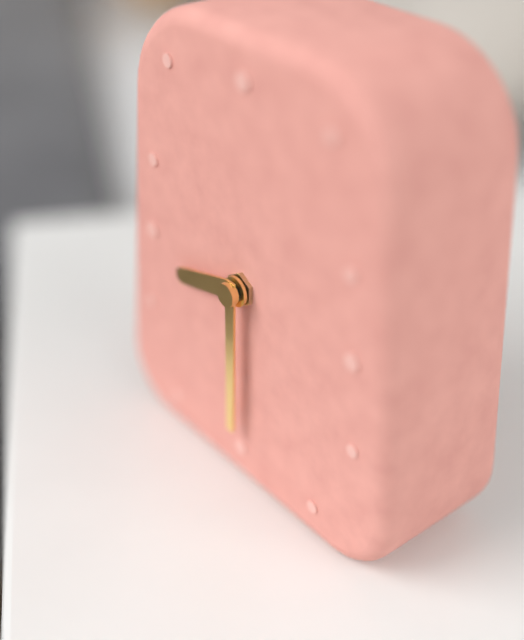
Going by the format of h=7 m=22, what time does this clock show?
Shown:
h=8 m=30
